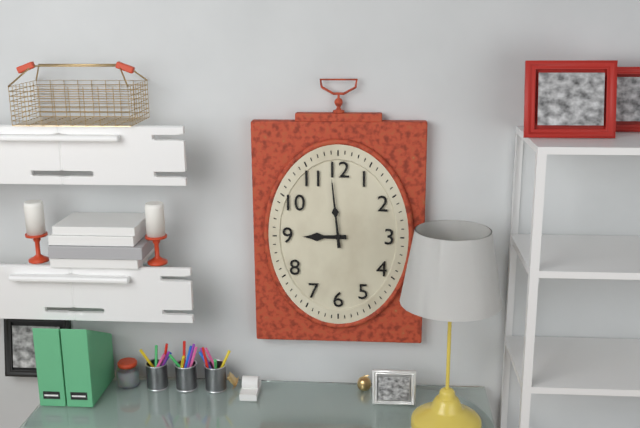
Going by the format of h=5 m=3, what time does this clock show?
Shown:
h=8 m=59
